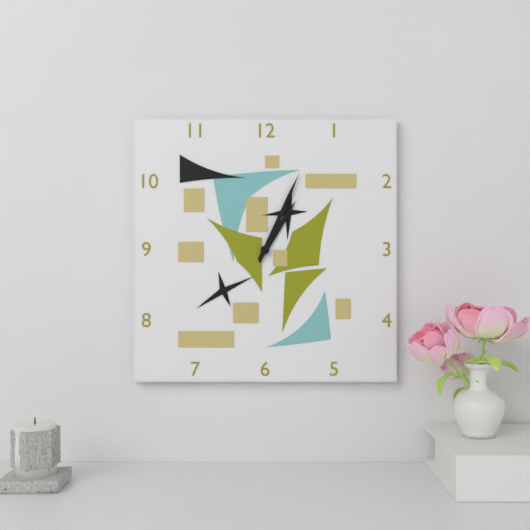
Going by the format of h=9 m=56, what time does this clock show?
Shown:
h=1 m=4
